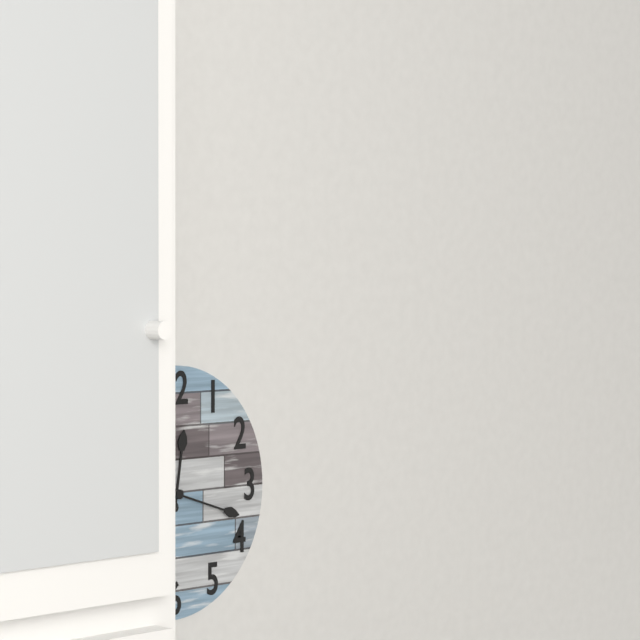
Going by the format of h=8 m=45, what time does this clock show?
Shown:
h=12 m=18
